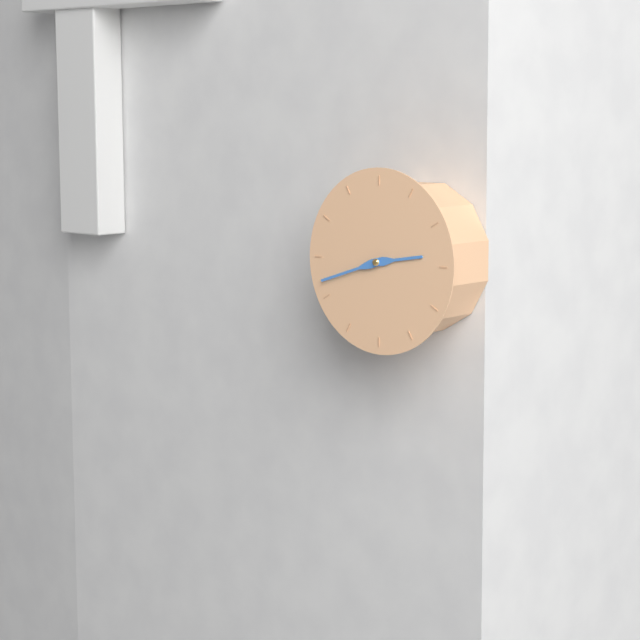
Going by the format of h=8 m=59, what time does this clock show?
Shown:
h=2 m=42
